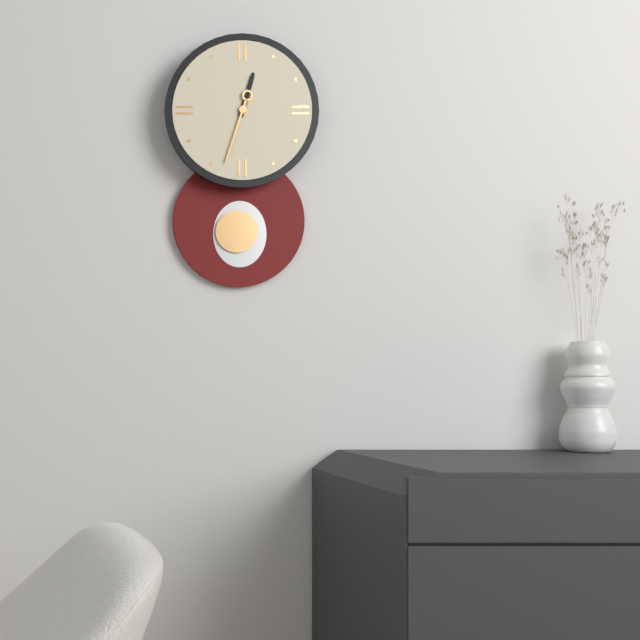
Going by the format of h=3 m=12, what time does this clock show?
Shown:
h=12 m=33
